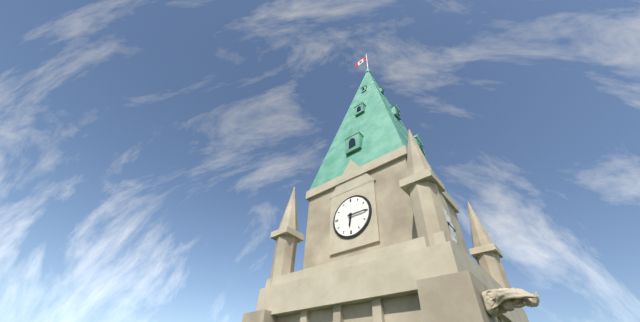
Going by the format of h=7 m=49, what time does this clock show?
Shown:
h=6 m=15
